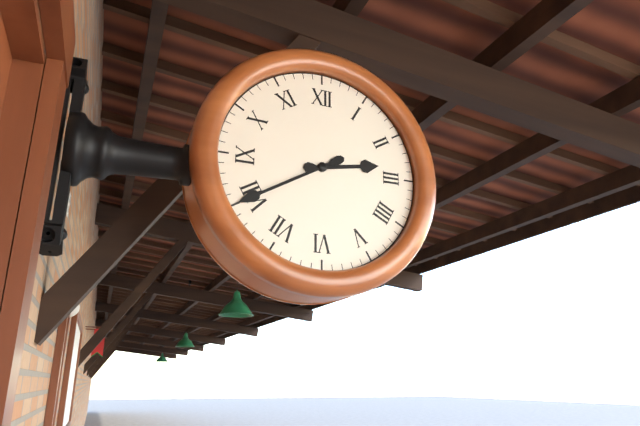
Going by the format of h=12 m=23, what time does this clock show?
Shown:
h=2 m=40
